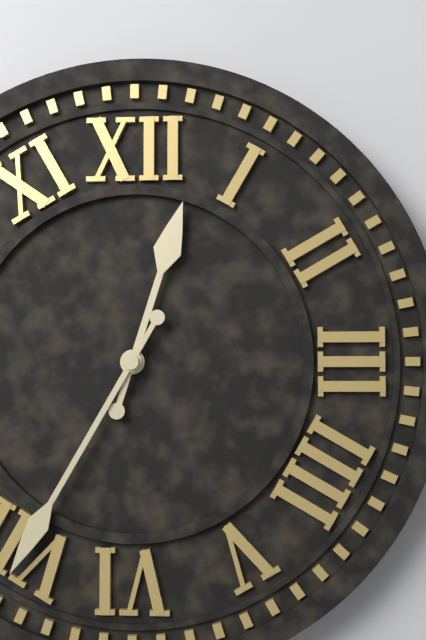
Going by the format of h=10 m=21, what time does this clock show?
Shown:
h=12 m=35
